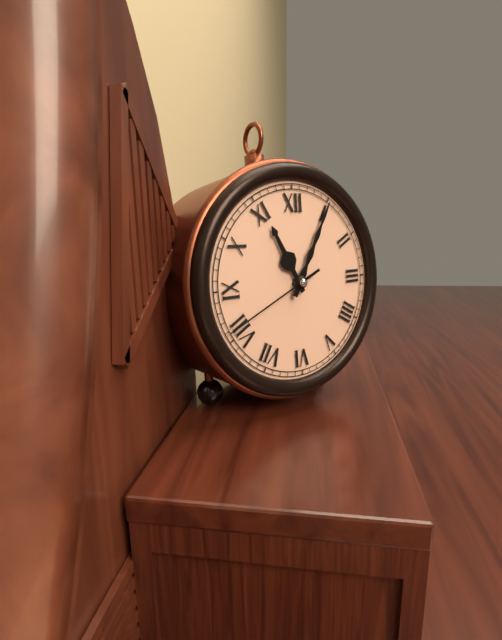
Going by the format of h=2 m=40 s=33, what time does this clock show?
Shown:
h=11 m=5 s=41
